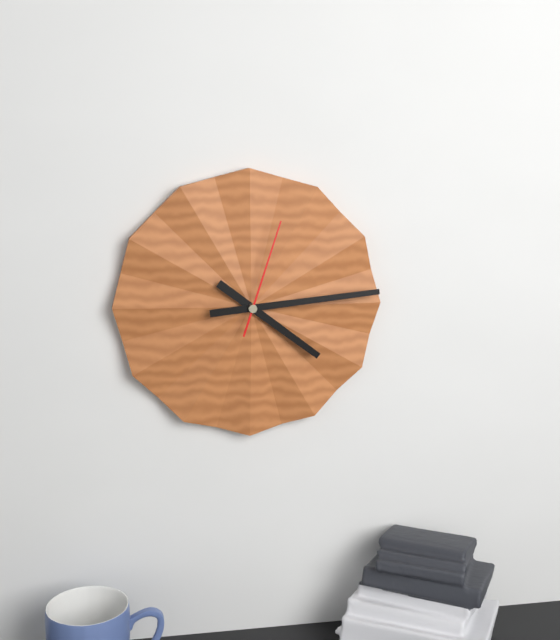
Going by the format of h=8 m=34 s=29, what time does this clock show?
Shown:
h=4 m=14 s=3
